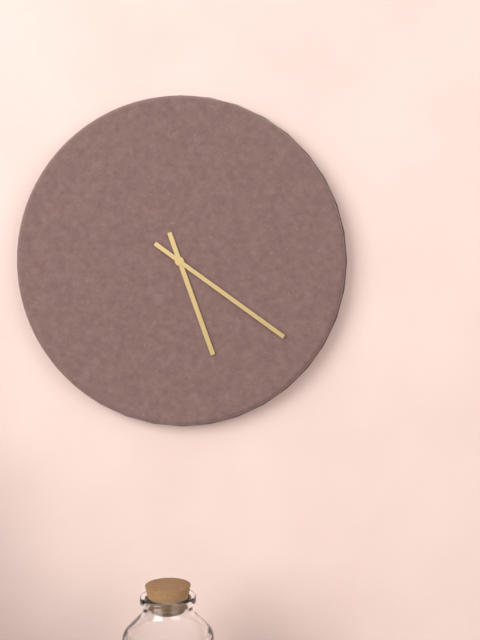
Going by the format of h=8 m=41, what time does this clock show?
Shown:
h=5 m=21
